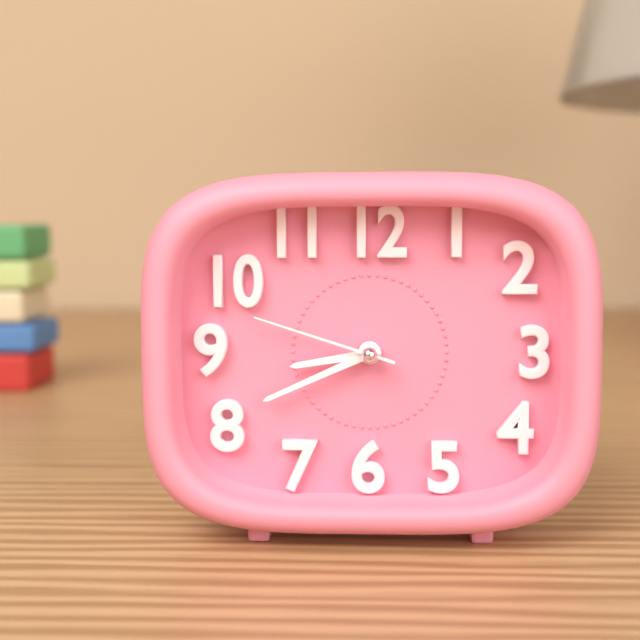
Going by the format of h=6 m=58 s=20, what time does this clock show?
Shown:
h=8 m=41 s=48
